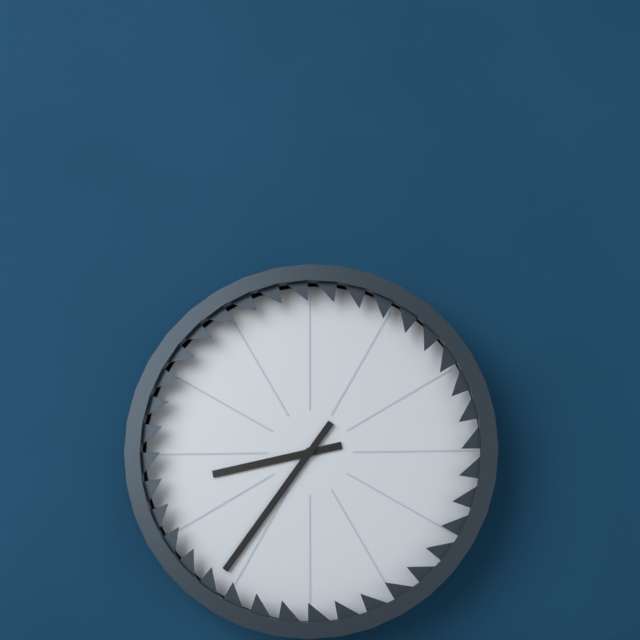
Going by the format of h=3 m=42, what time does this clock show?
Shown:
h=8 m=36
